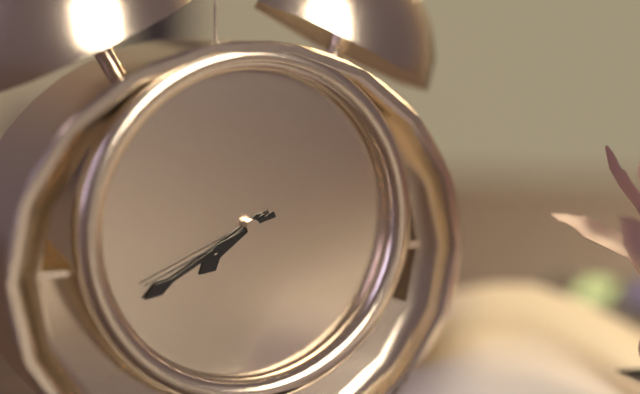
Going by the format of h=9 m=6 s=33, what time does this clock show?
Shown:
h=7 m=40 s=41
